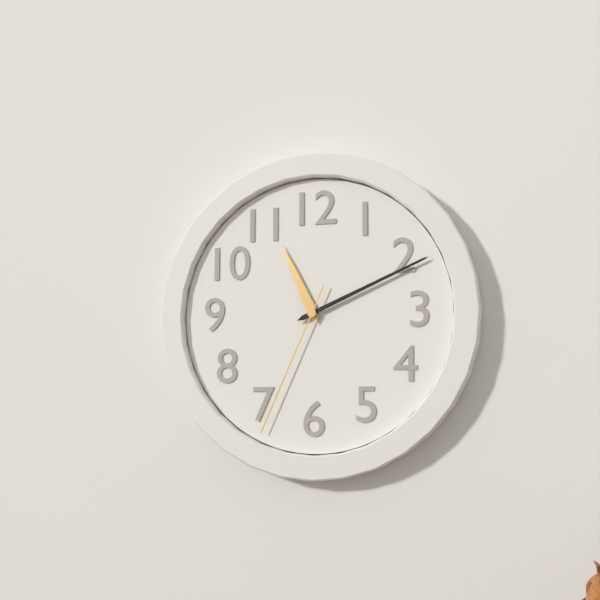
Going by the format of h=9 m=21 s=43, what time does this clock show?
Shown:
h=11 m=11 s=34
